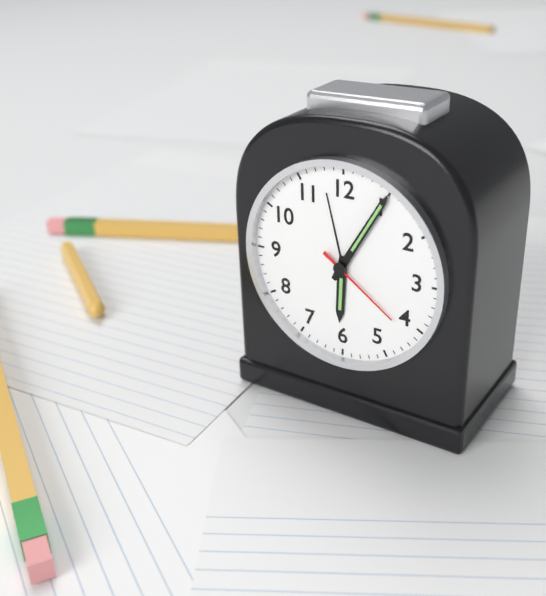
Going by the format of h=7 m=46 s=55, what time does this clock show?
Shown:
h=6 m=5 s=21
